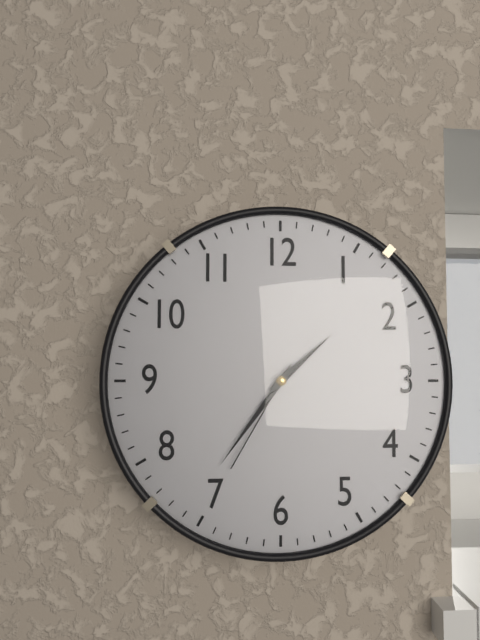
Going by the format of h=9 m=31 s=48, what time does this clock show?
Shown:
h=1 m=36 s=35
